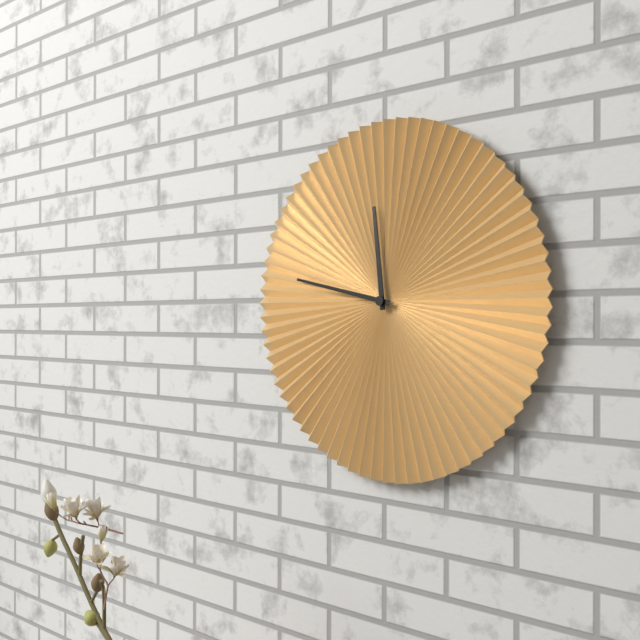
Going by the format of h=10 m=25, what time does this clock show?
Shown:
h=11 m=47
